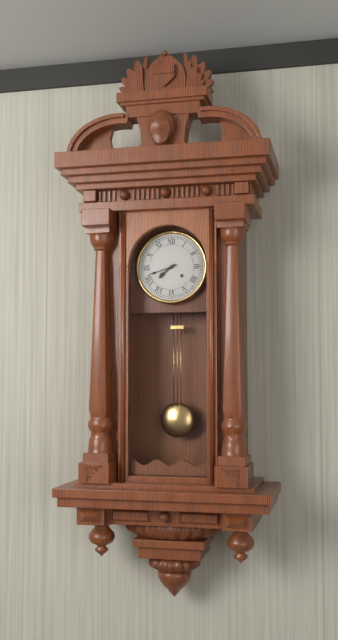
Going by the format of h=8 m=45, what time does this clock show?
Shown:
h=7 m=42
